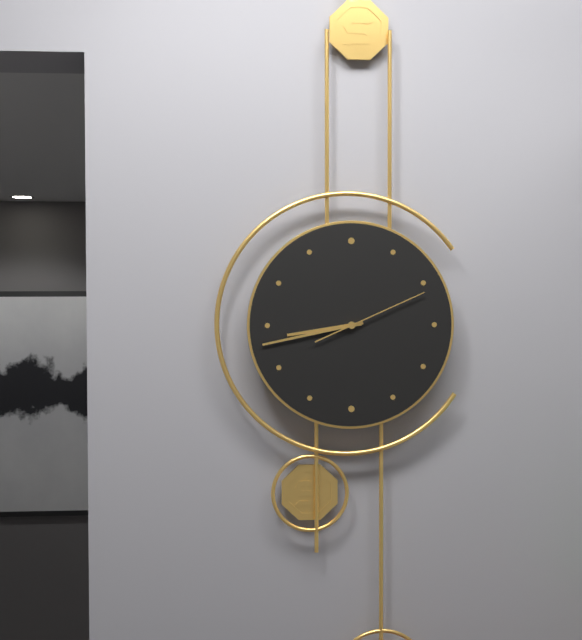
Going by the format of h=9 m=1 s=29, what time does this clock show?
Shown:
h=8 m=43 s=11
